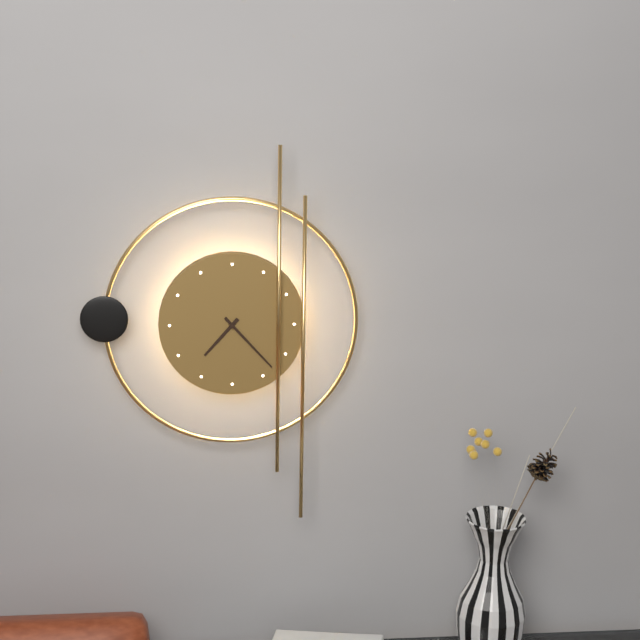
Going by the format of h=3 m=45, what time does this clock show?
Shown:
h=7 m=23
